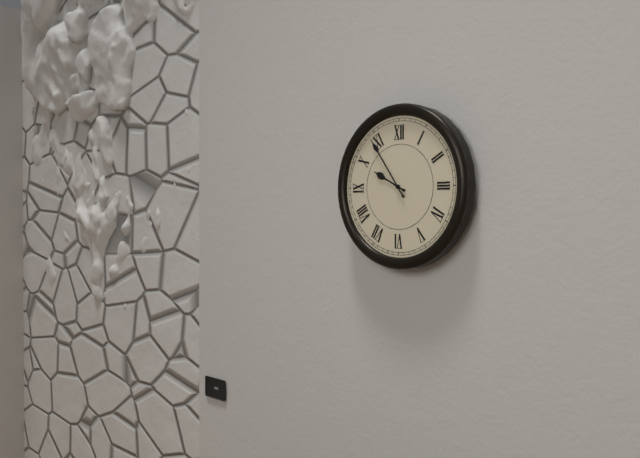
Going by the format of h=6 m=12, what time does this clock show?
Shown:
h=9 m=54
